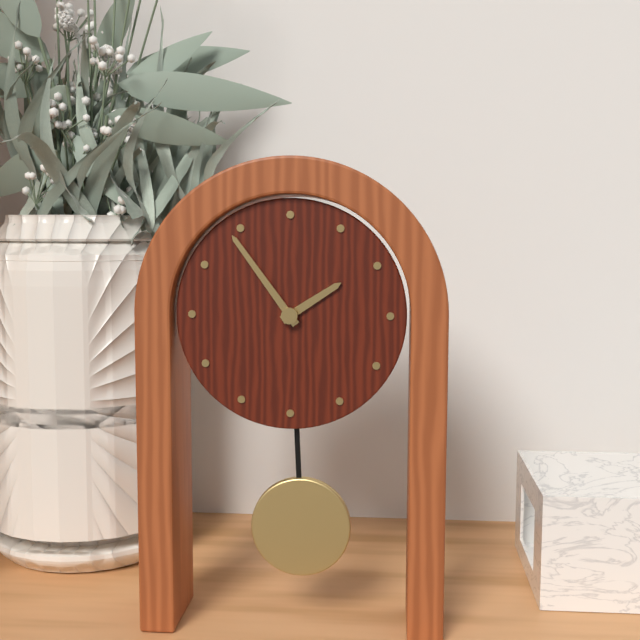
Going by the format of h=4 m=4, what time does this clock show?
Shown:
h=1 m=54
